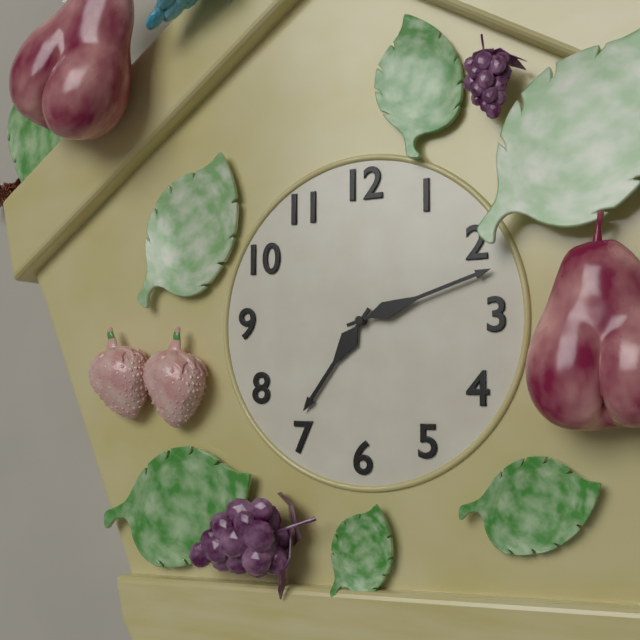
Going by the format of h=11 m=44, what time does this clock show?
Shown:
h=7 m=12
